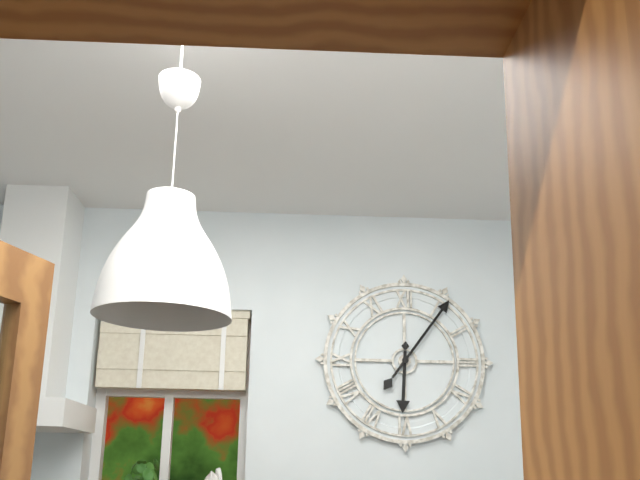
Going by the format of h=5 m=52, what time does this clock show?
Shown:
h=6 m=6
